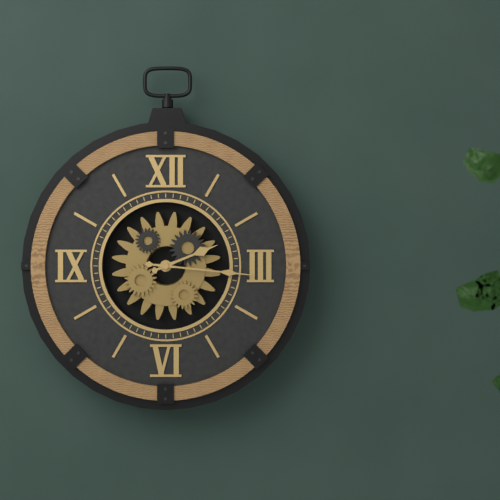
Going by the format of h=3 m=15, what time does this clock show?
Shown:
h=2 m=16
